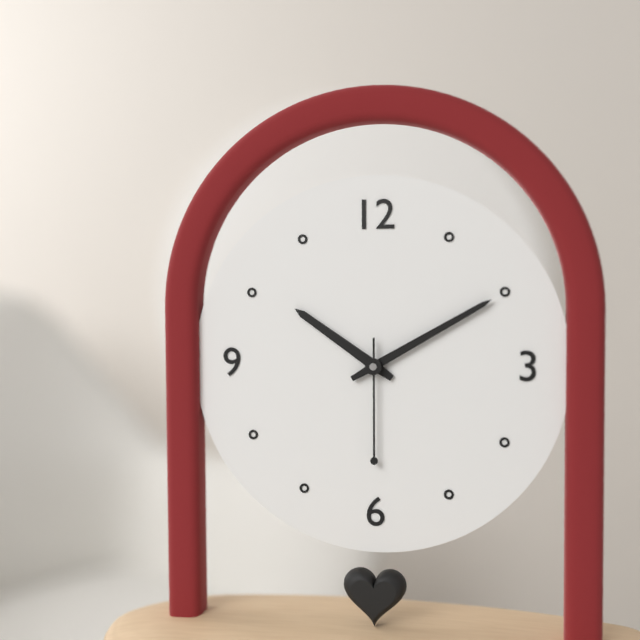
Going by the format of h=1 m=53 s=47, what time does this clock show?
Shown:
h=10 m=10 s=30
